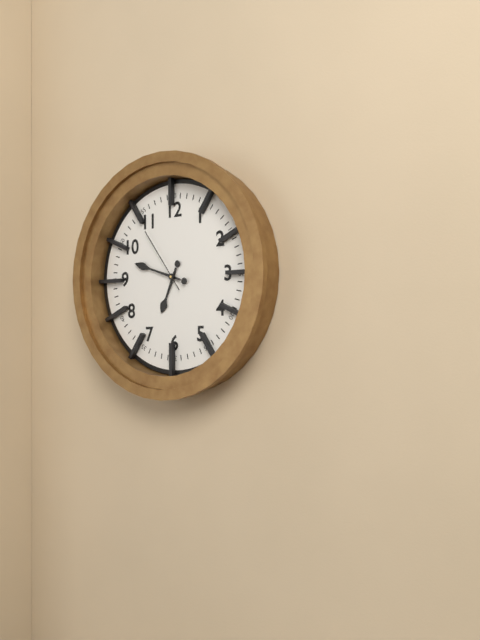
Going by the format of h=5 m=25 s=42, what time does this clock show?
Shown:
h=6 m=48 s=54
